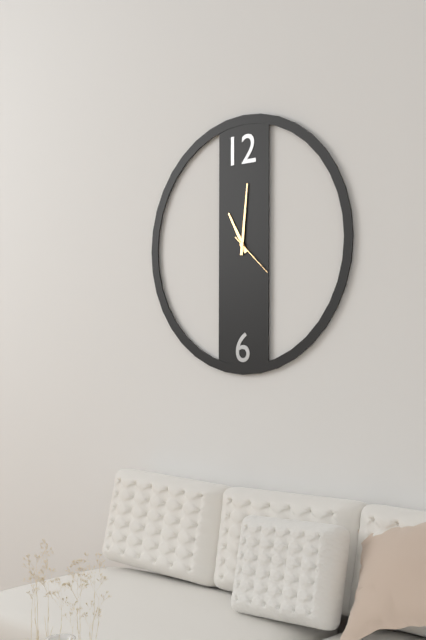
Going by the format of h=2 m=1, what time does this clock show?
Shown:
h=11 m=1
